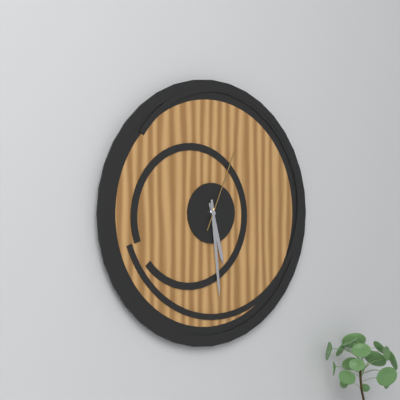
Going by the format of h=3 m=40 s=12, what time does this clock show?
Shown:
h=5 m=29 s=4
